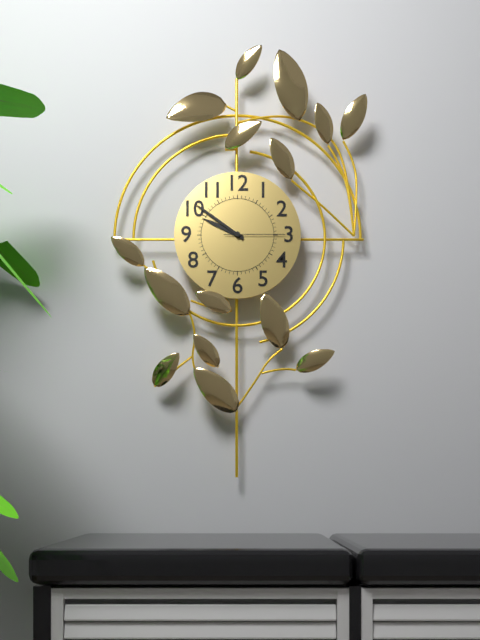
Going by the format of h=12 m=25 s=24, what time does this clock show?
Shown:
h=9 m=51 s=15
